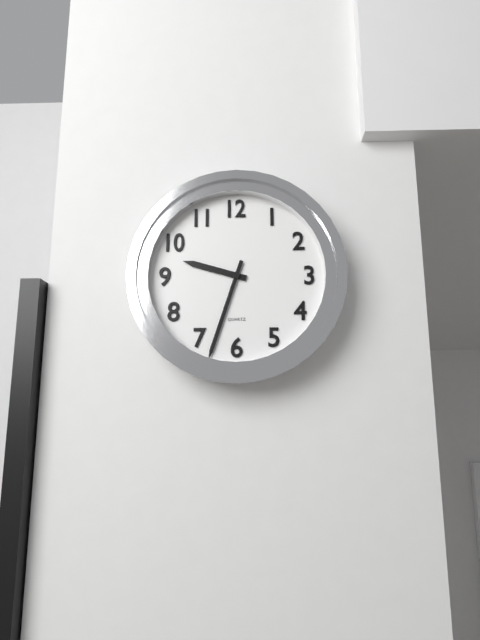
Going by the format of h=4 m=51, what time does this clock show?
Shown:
h=9 m=33
